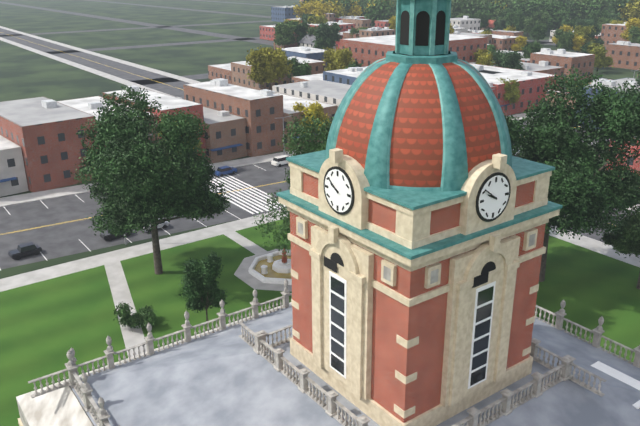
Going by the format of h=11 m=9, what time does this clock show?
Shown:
h=9 m=51
